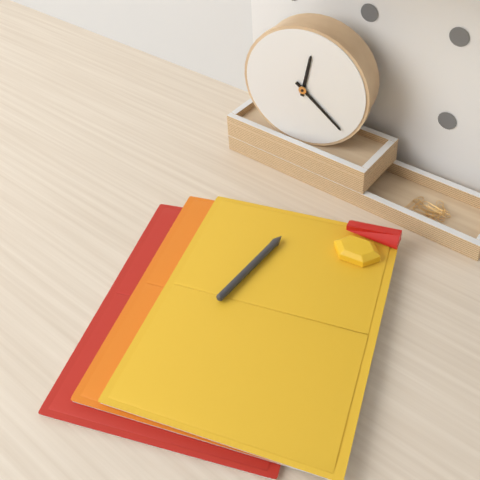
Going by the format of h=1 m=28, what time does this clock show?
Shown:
h=12 m=22
